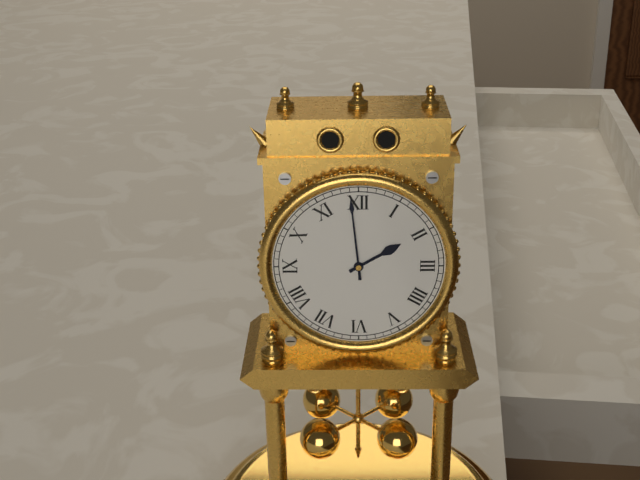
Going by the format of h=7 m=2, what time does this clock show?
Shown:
h=1 m=59
